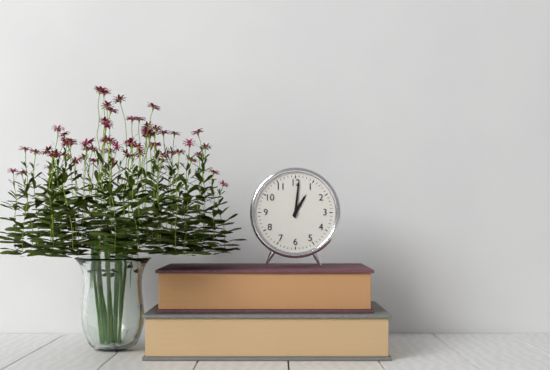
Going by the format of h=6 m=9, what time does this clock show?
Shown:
h=1 m=1
